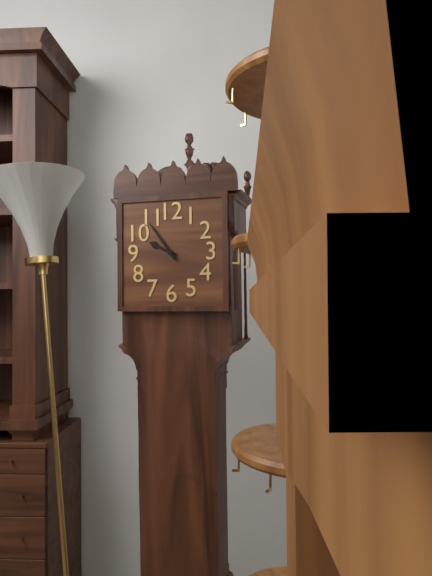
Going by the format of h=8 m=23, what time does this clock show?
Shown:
h=9 m=54
